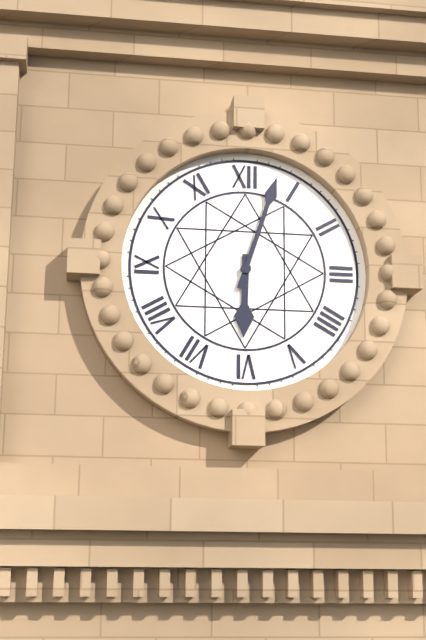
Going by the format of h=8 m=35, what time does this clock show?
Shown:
h=6 m=3
